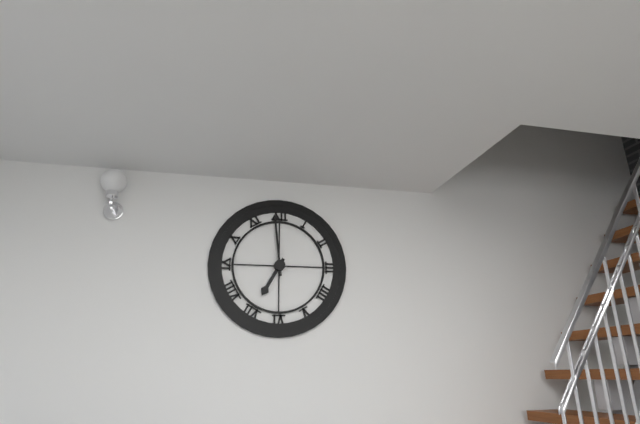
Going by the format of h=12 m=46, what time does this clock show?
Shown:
h=6 m=59
